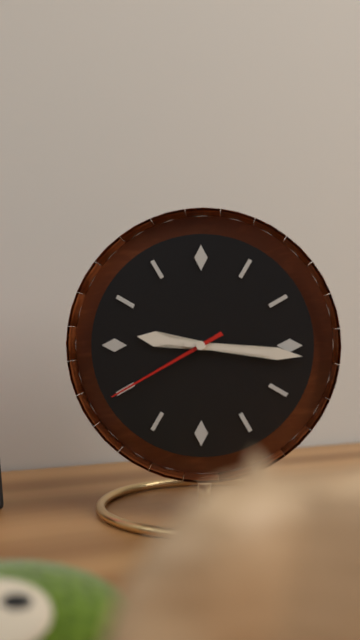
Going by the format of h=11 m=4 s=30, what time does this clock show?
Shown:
h=9 m=16 s=40
